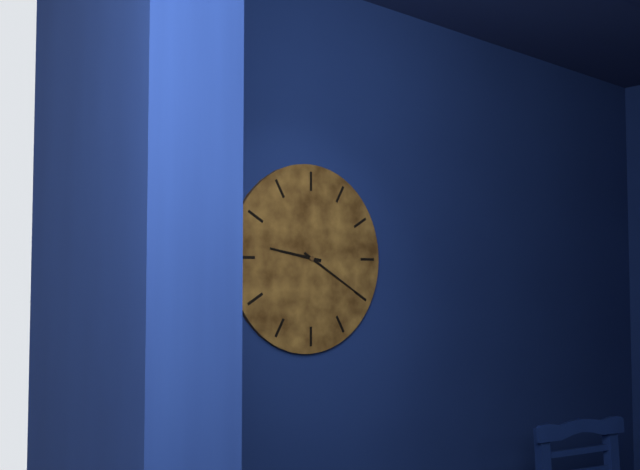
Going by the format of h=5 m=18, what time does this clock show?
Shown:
h=9 m=20
